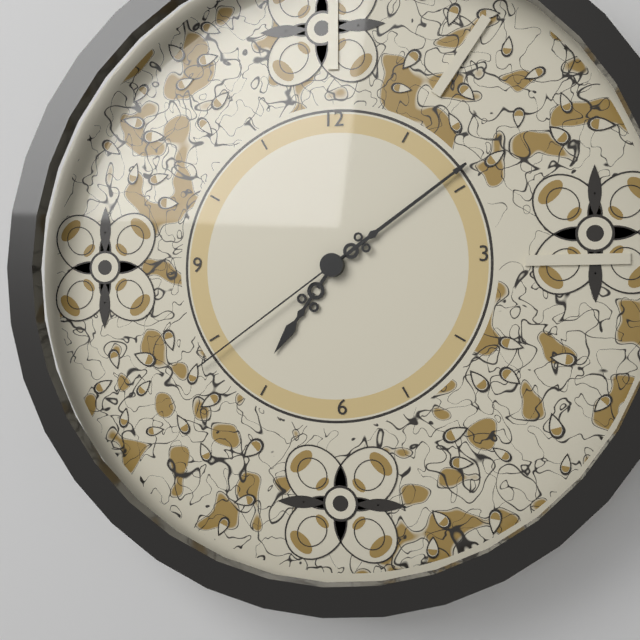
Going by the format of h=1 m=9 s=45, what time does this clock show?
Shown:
h=7 m=9 s=39
